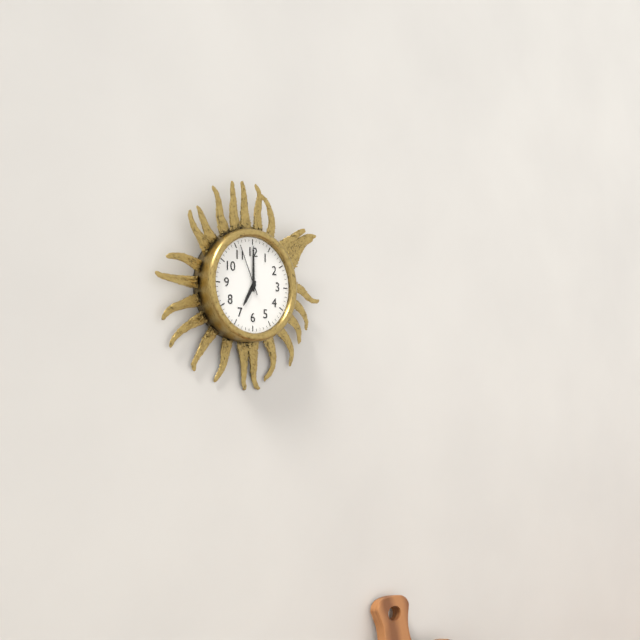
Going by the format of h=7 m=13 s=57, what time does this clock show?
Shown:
h=7 m=0 s=56
